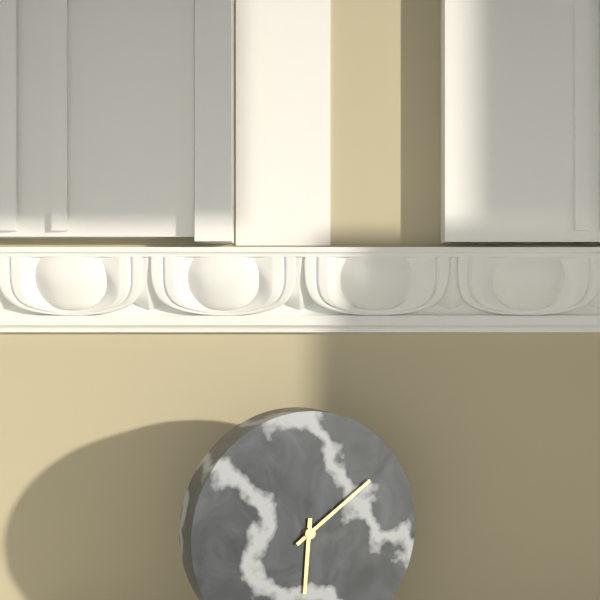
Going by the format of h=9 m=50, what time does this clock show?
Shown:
h=6 m=9
